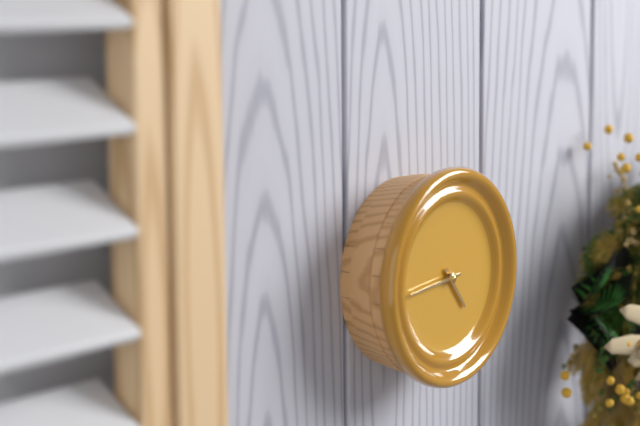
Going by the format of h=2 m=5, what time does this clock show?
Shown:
h=4 m=44
